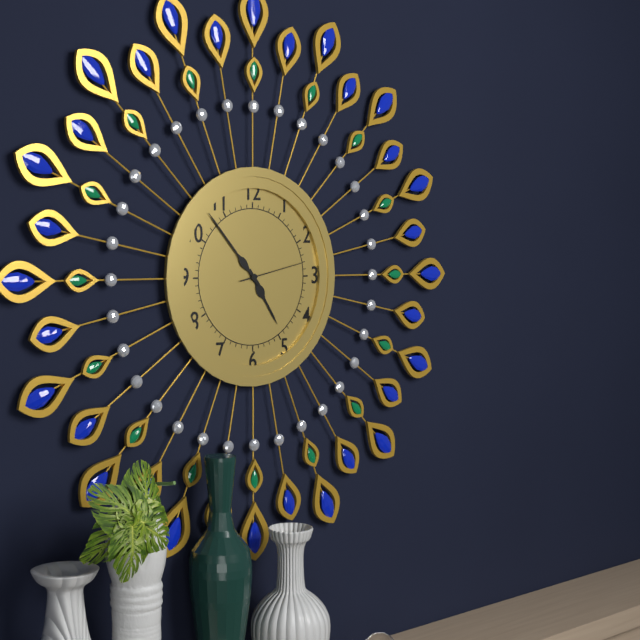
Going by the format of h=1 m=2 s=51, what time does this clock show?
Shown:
h=4 m=53 s=13
